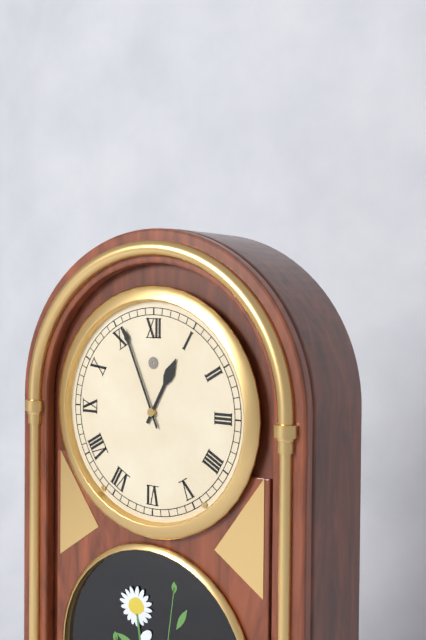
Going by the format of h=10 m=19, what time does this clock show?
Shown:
h=12 m=56
